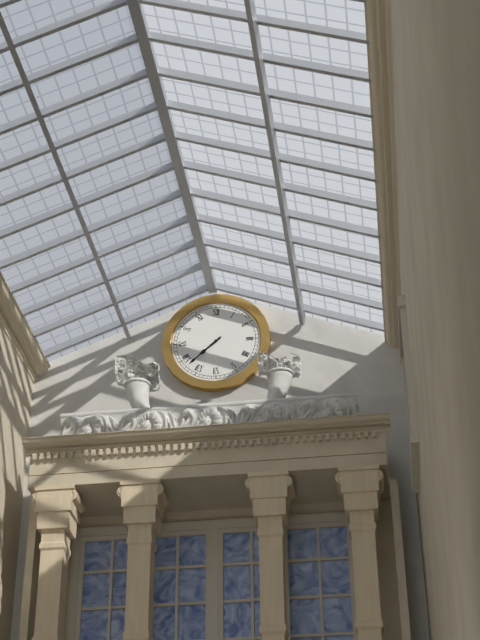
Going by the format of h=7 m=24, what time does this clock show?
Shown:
h=7 m=38
